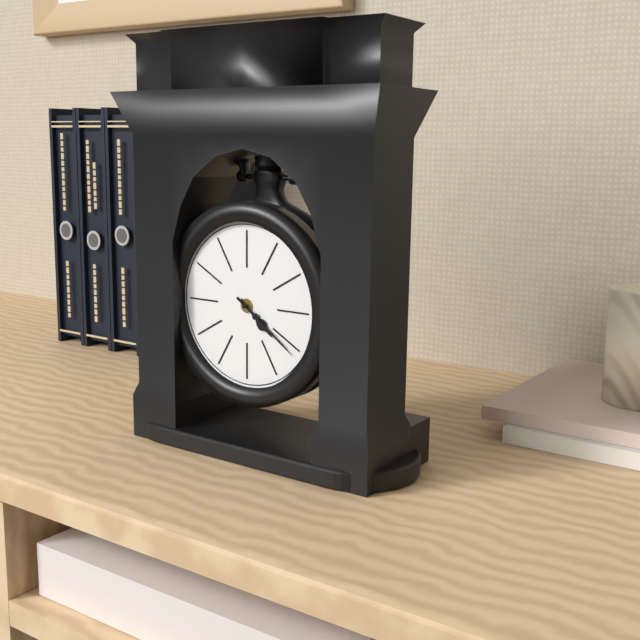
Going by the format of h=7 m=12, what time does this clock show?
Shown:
h=4 m=21
